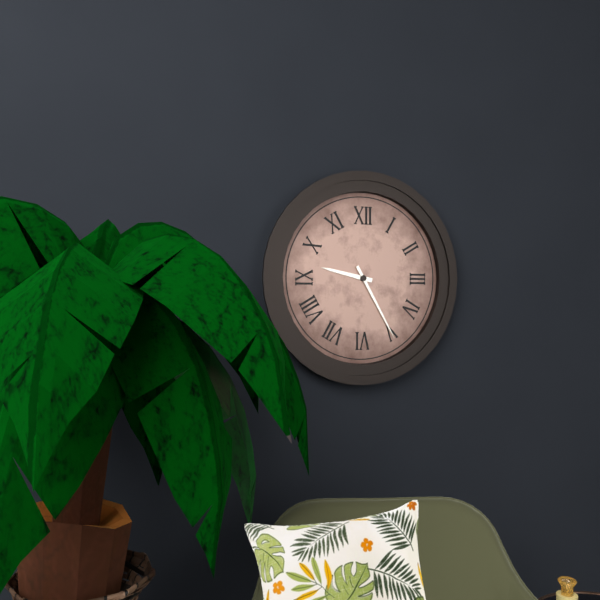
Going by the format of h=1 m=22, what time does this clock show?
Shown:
h=9 m=25
